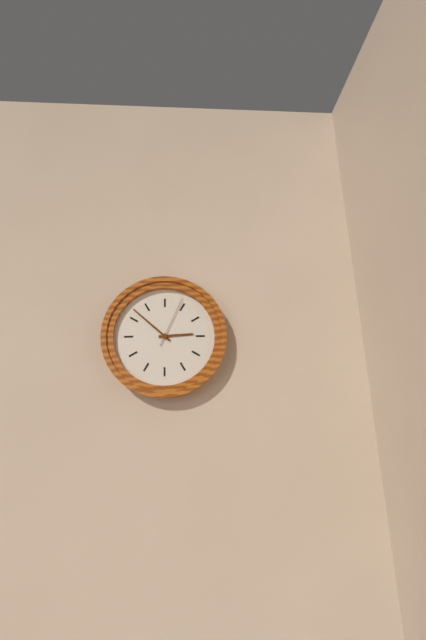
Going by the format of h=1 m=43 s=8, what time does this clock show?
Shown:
h=2 m=52 s=4
